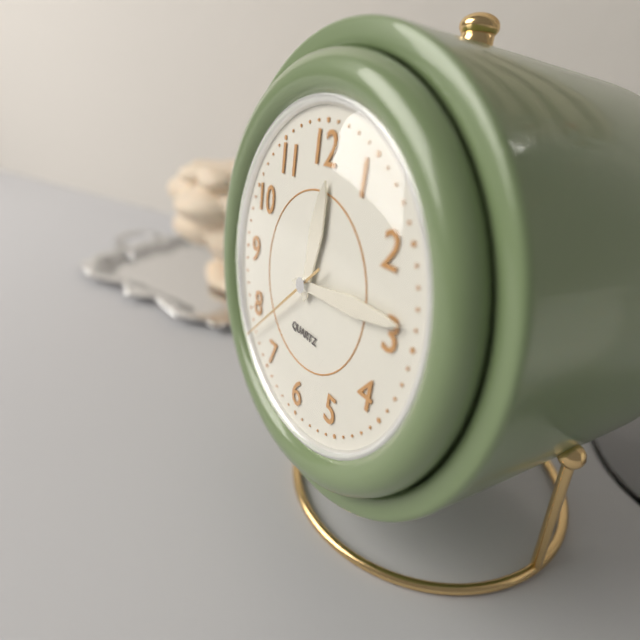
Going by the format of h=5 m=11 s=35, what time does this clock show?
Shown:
h=12 m=14 s=38
